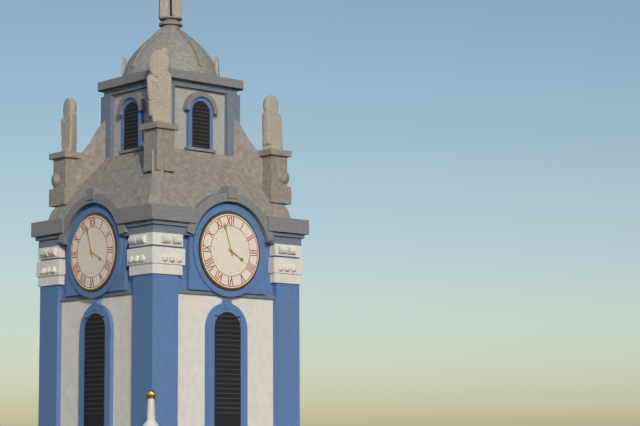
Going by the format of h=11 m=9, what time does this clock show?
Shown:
h=3 m=57
